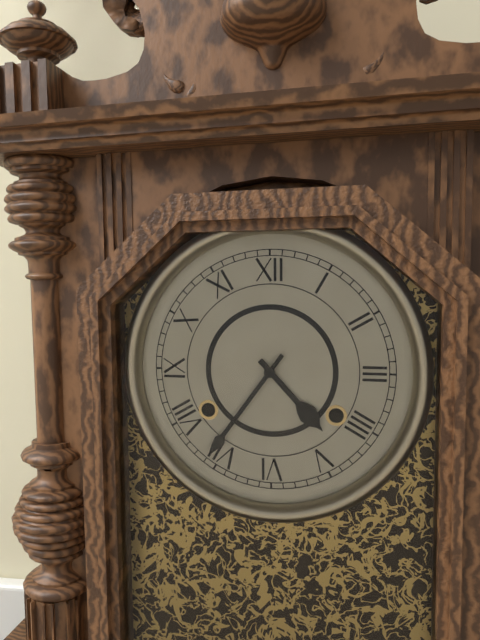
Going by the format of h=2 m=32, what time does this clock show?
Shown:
h=4 m=36
